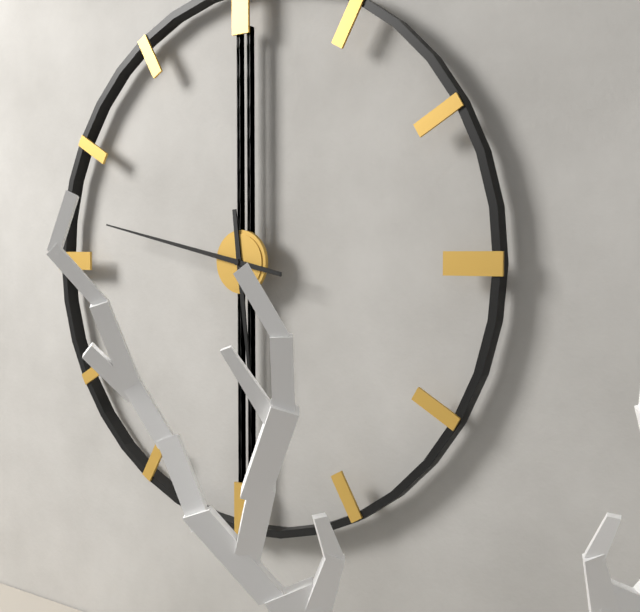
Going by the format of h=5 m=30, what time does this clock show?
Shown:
h=5 m=47
